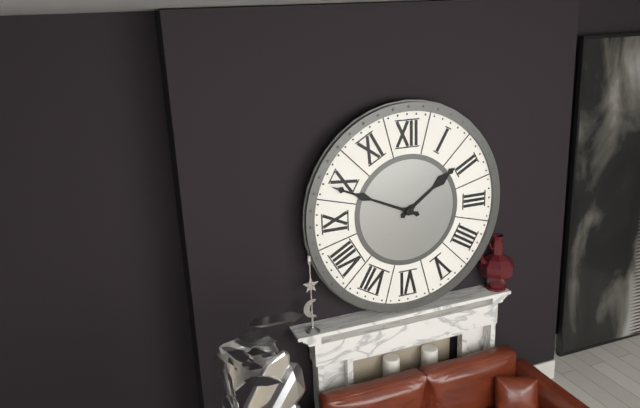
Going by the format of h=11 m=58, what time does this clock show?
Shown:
h=1 m=49
